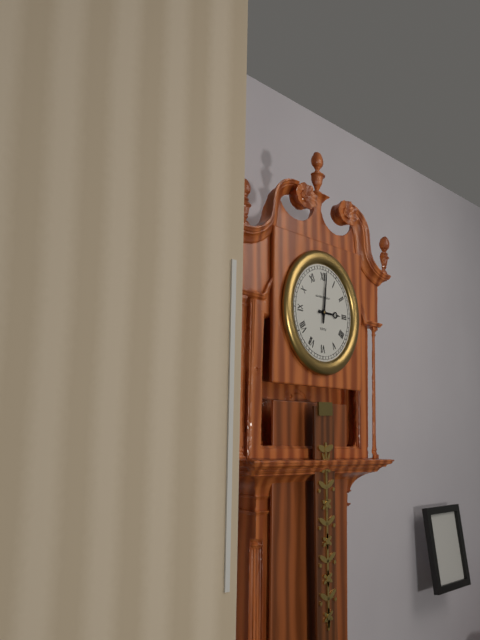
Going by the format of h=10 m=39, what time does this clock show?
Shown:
h=3 m=1
